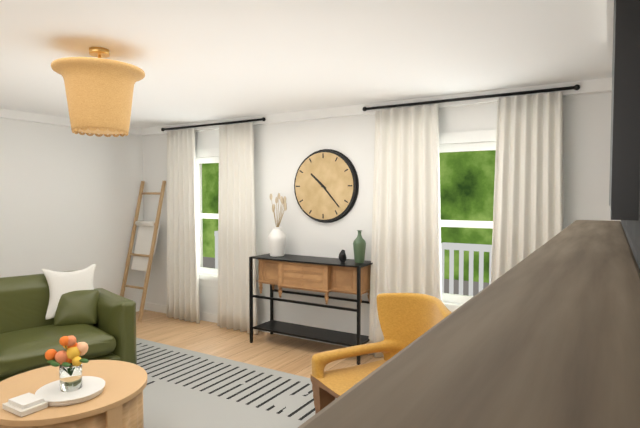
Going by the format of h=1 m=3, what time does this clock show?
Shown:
h=10 m=23
